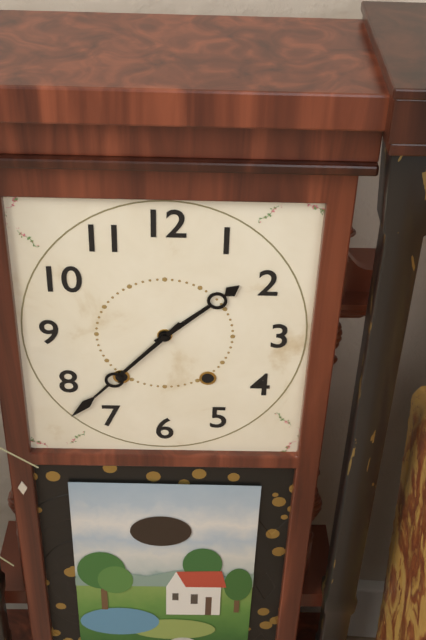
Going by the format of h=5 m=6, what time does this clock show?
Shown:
h=1 m=37
